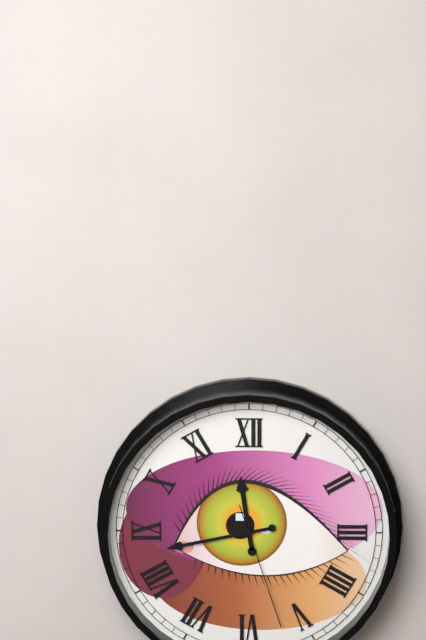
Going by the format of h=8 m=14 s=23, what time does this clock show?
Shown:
h=11 m=43 s=27
